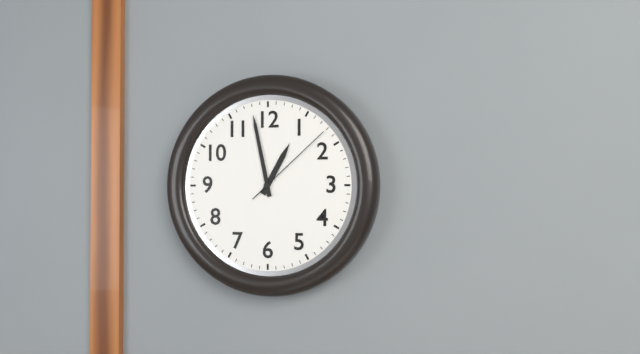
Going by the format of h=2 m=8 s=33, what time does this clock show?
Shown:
h=12 m=58 s=8
